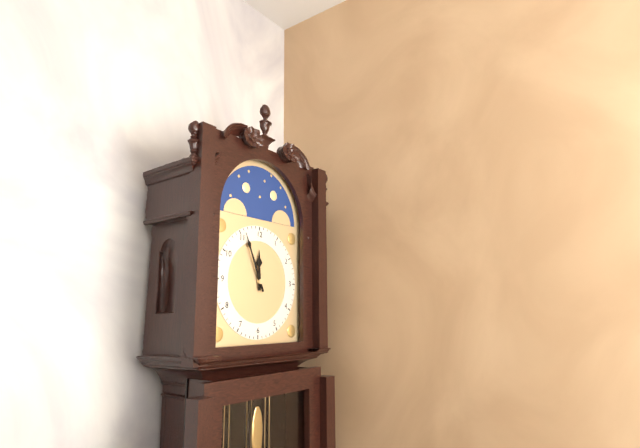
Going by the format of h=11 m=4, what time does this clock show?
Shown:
h=11 m=56
